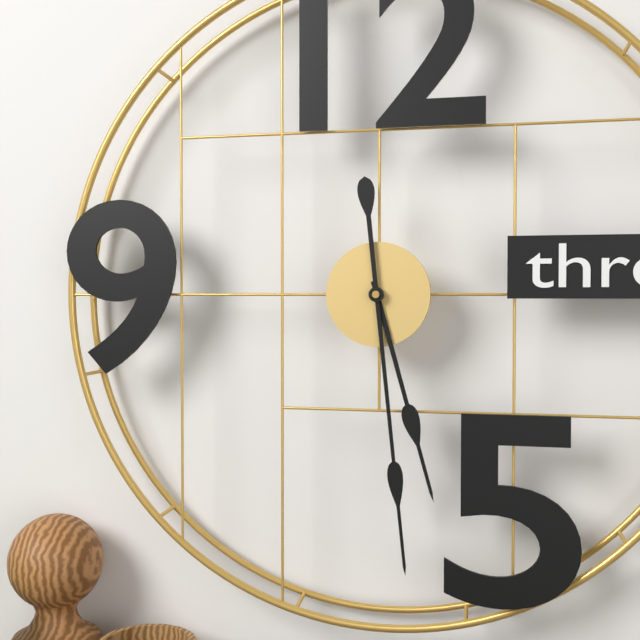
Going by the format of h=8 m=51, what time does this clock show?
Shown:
h=5 m=29
